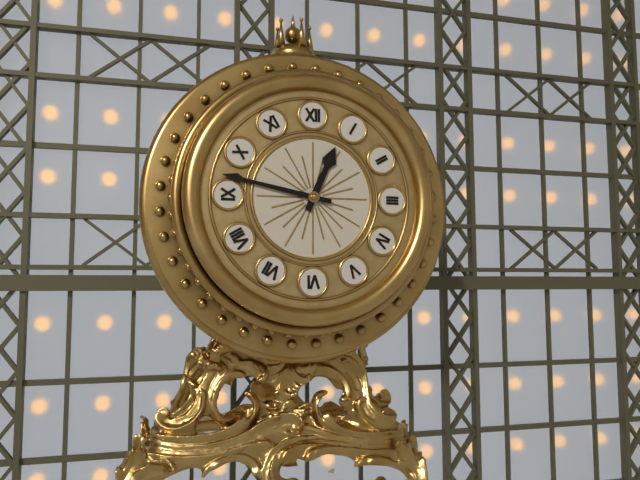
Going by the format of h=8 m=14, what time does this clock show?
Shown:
h=12 m=47
